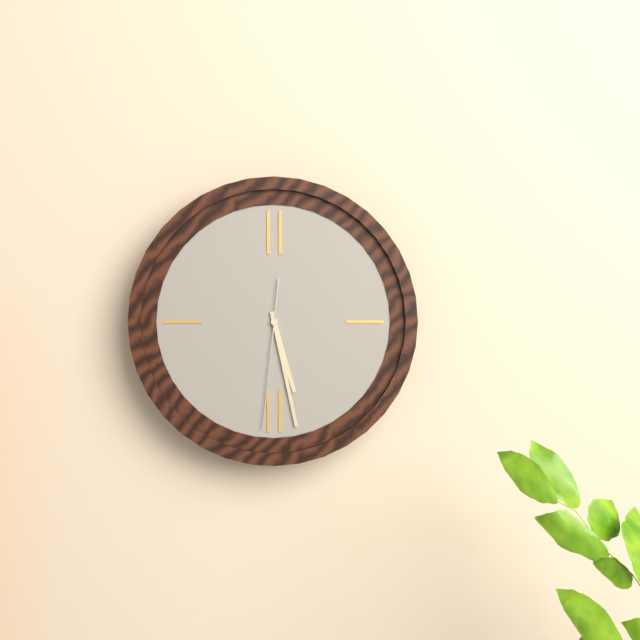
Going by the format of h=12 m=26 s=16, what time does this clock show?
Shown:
h=5 m=28 s=31
